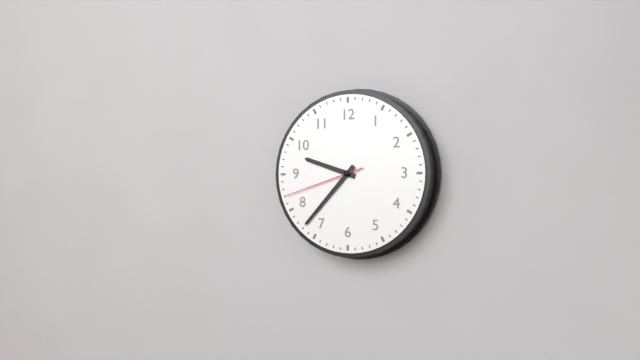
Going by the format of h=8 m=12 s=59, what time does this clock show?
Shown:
h=9 m=37 s=42
